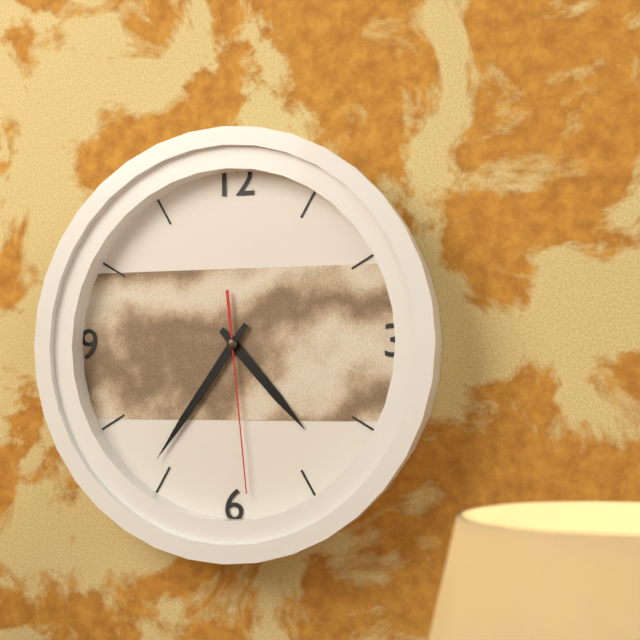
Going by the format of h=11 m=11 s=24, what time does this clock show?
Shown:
h=4 m=36 s=29
